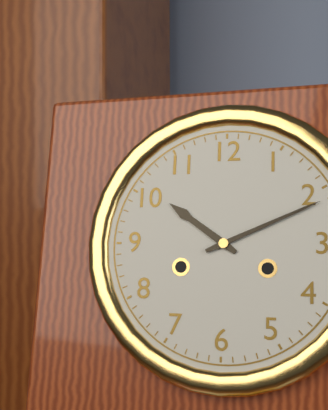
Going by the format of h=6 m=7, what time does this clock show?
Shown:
h=10 m=11
